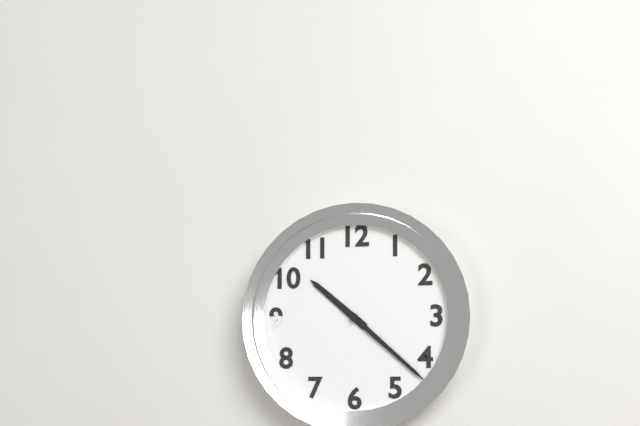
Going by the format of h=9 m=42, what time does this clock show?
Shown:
h=10 m=22
